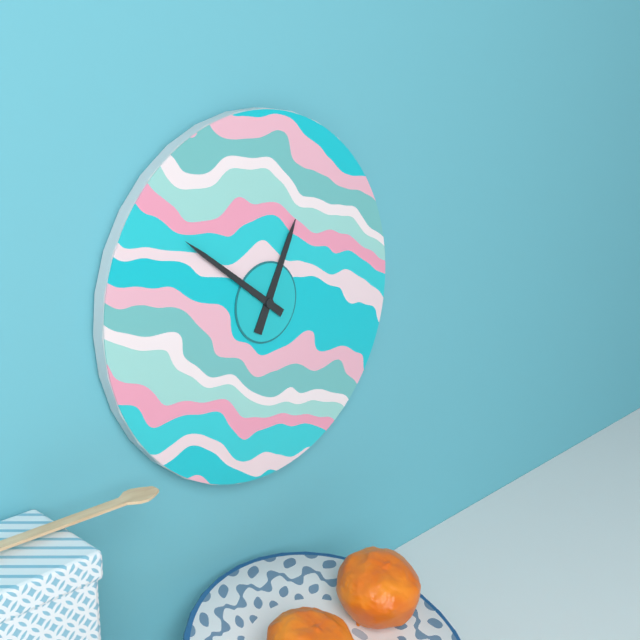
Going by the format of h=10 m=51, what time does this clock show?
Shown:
h=12 m=51
